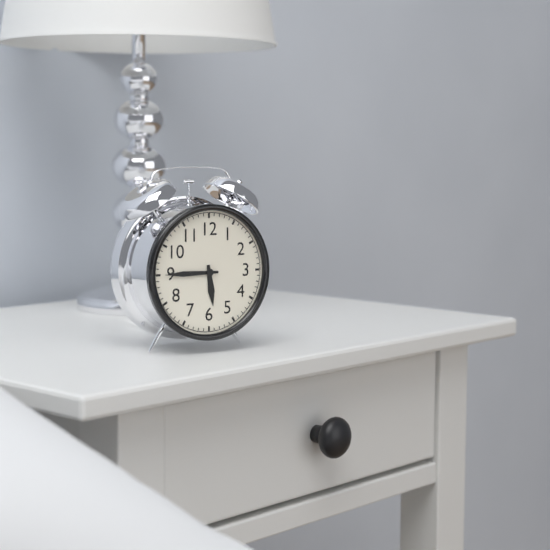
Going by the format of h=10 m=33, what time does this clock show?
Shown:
h=5 m=45
